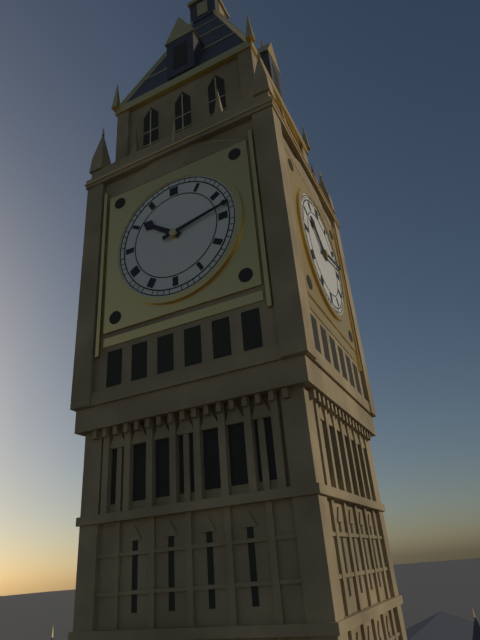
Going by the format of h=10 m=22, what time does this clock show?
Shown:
h=10 m=13
